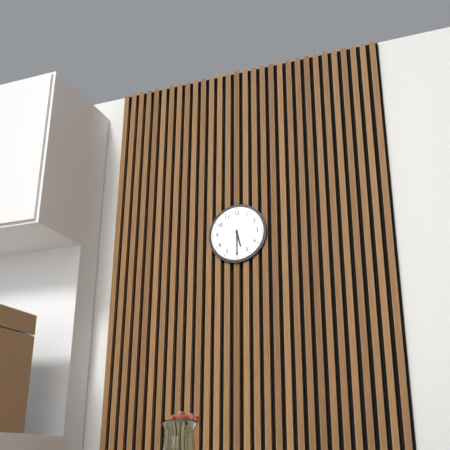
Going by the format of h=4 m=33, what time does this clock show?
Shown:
h=5 m=30
